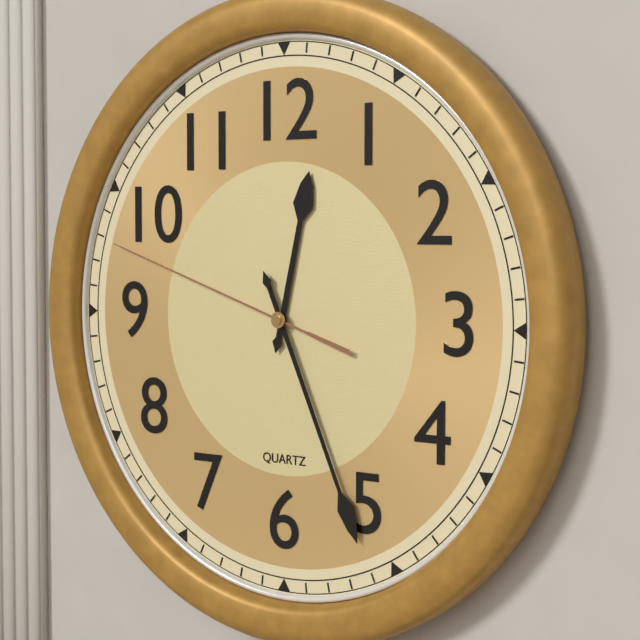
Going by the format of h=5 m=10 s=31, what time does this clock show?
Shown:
h=12 m=26 s=48
